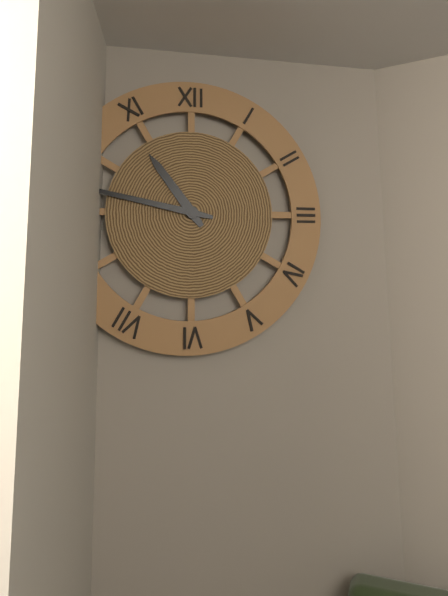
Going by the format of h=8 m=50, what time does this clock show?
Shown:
h=10 m=47
